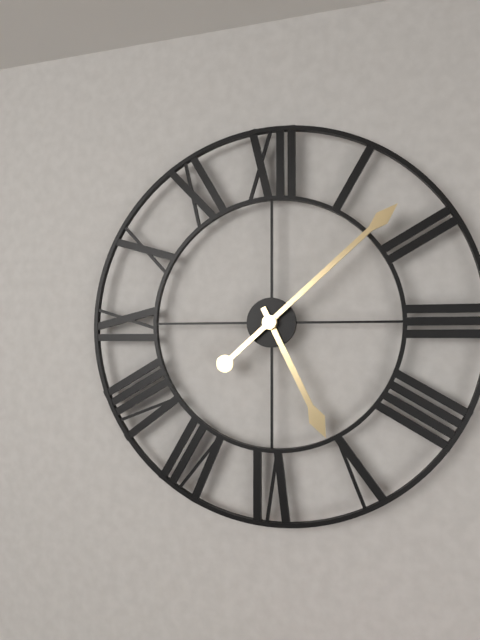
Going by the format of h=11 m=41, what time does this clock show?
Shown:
h=5 m=8
